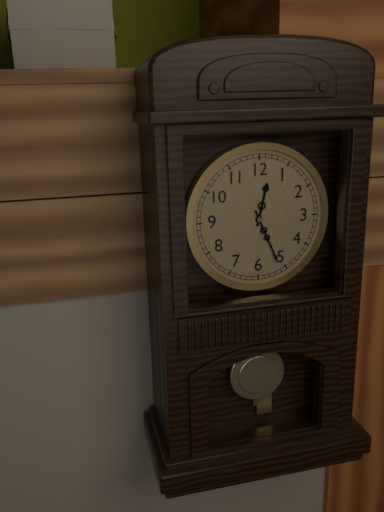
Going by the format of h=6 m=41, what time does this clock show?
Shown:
h=12 m=26
